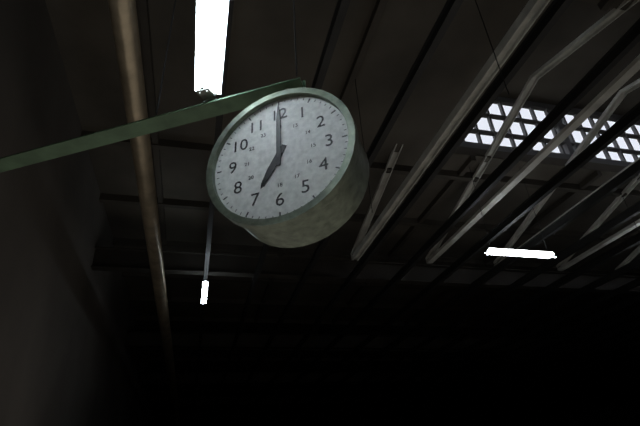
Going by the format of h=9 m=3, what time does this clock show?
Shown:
h=7 m=0
